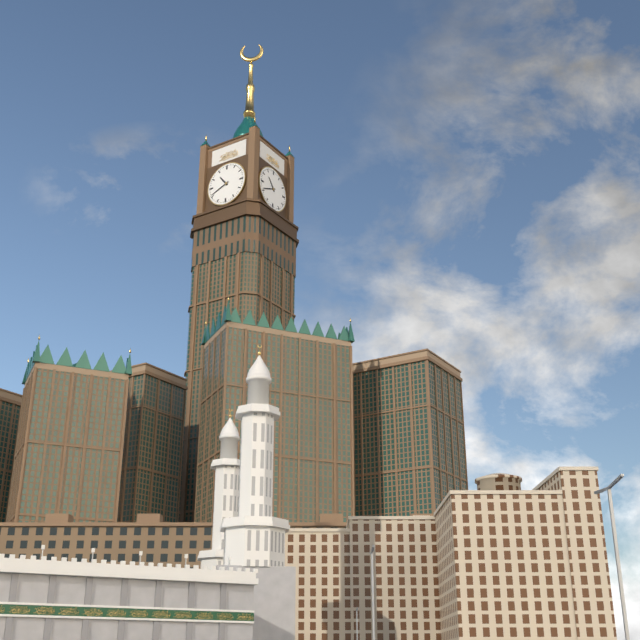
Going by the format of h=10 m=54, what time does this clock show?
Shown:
h=10 m=41
